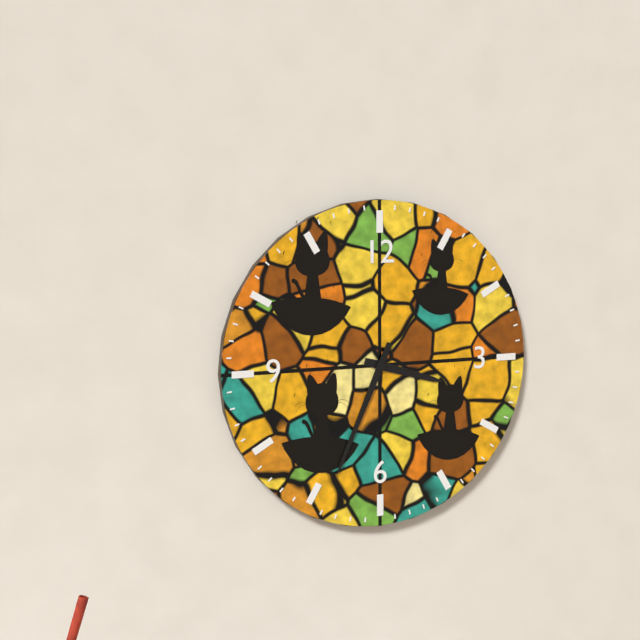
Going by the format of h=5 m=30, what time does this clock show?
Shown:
h=3 m=34
